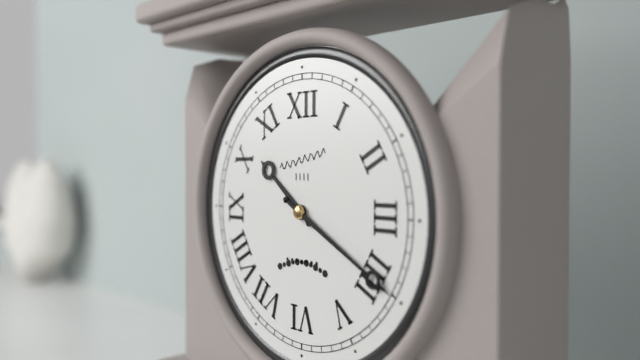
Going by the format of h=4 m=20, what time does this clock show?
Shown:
h=10 m=20
